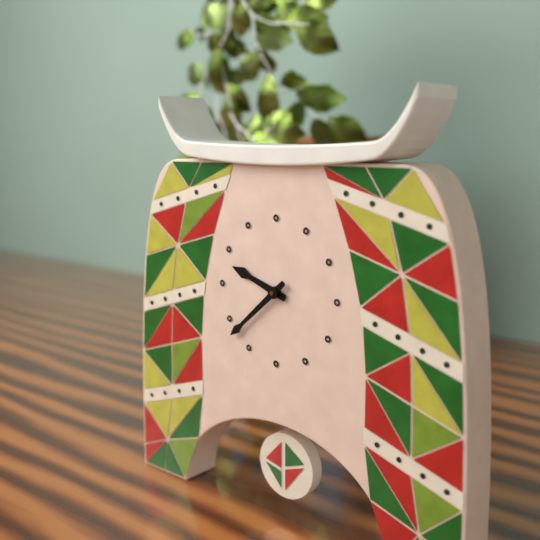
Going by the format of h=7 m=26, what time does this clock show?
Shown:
h=9 m=38
